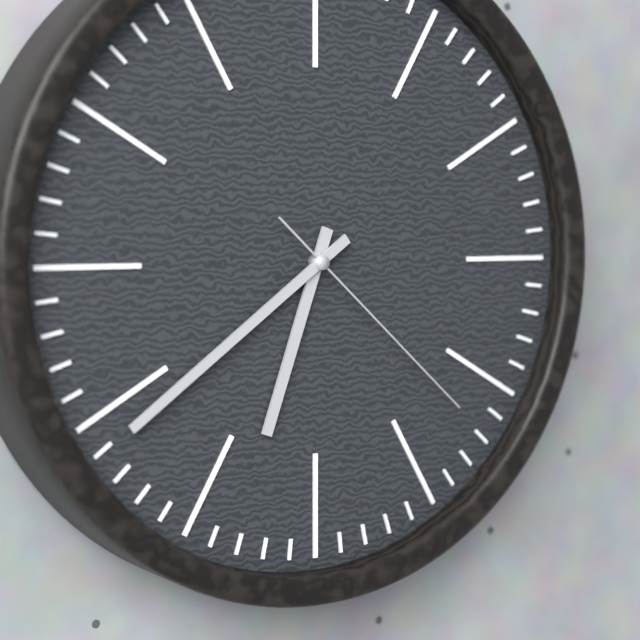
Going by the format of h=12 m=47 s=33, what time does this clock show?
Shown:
h=6 m=39 s=22
